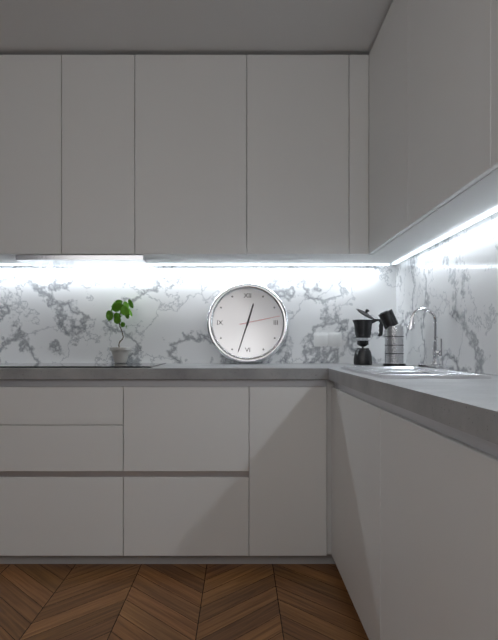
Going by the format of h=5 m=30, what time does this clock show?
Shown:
h=12 m=33
